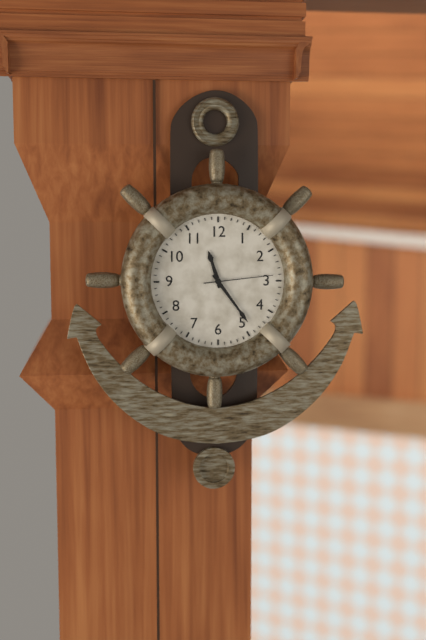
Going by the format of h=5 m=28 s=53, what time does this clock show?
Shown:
h=11 m=24 s=14
